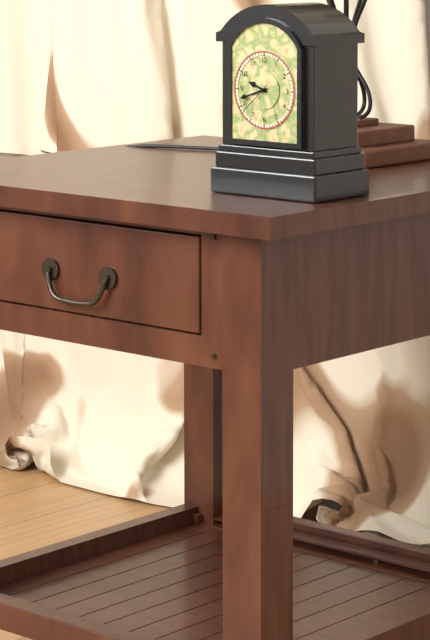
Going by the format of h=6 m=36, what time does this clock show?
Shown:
h=9 m=42
